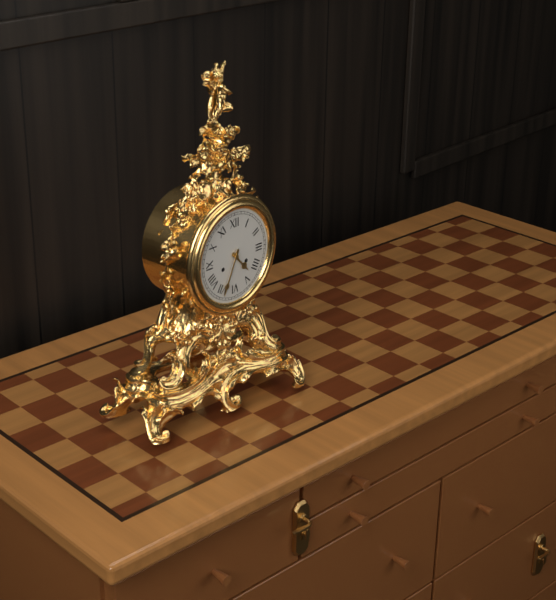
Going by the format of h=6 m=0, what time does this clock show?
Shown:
h=4 m=34
